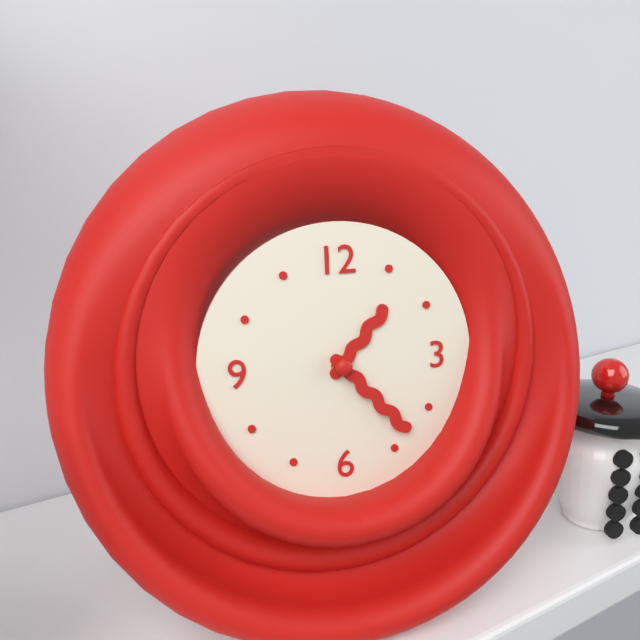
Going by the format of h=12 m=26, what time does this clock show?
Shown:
h=1 m=23
